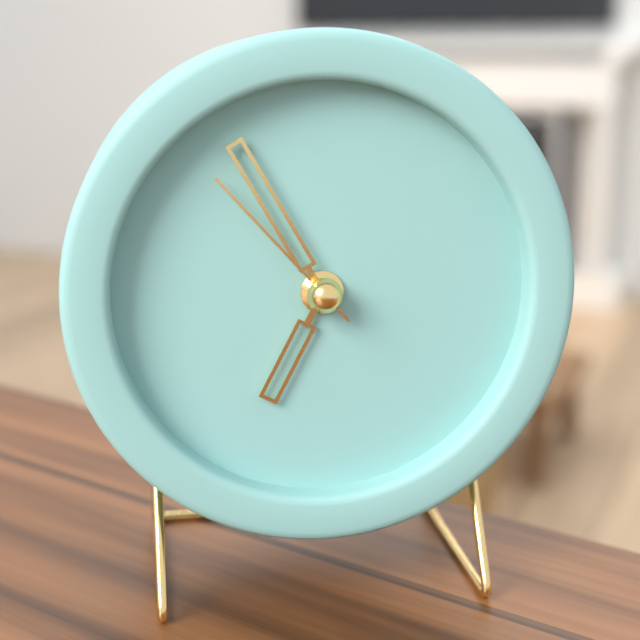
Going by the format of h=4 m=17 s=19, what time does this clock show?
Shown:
h=6 m=55 s=53
